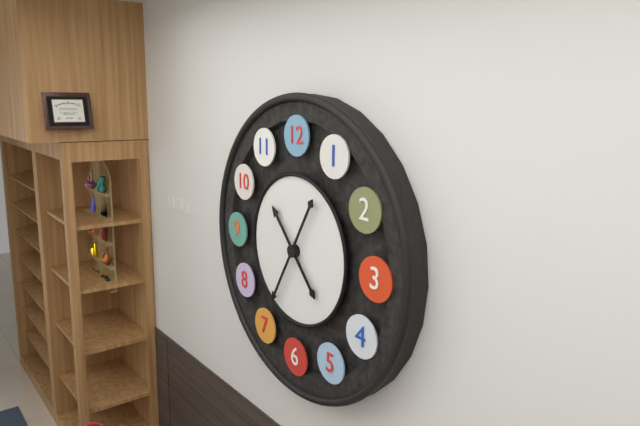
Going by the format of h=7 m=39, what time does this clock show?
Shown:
h=10 m=35
